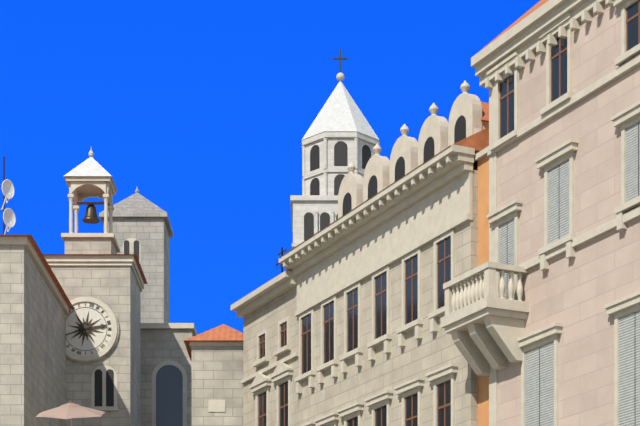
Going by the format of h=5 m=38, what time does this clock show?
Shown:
h=2 m=42
